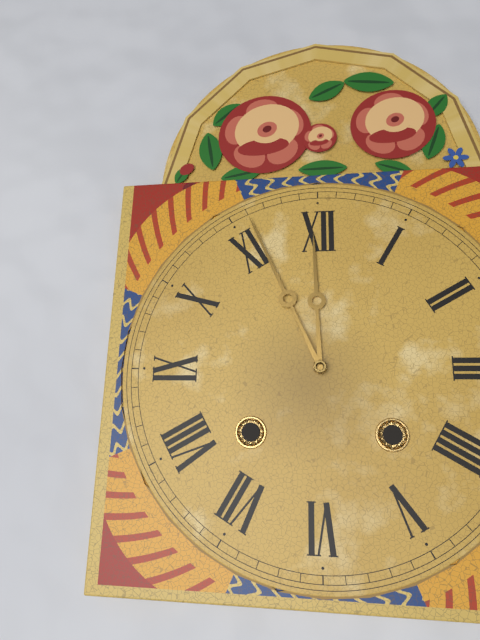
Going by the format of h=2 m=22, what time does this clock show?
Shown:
h=11 m=56
